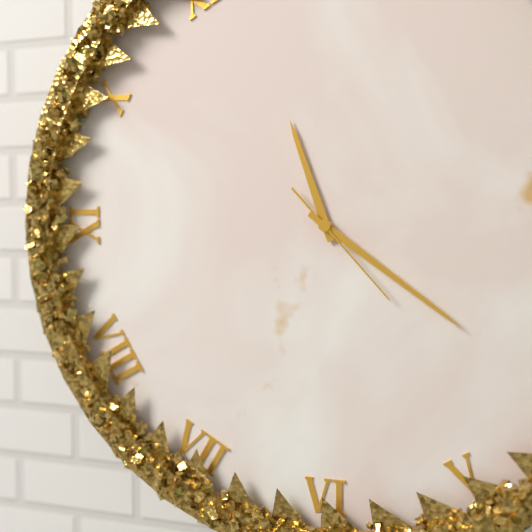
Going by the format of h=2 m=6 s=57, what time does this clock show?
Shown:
h=11 m=21 s=23
